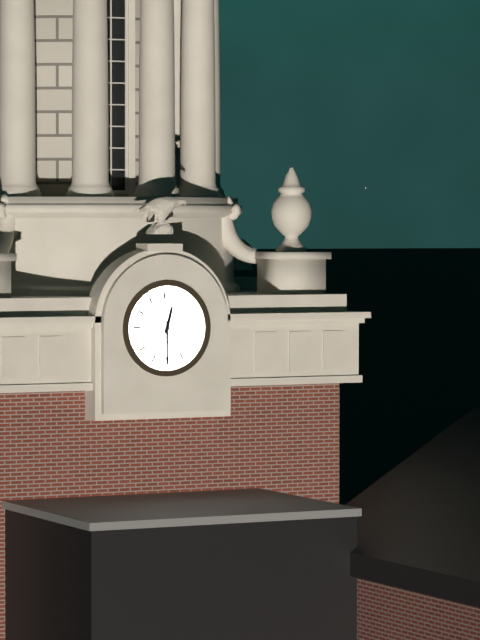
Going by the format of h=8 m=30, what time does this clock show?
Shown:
h=12 m=30
